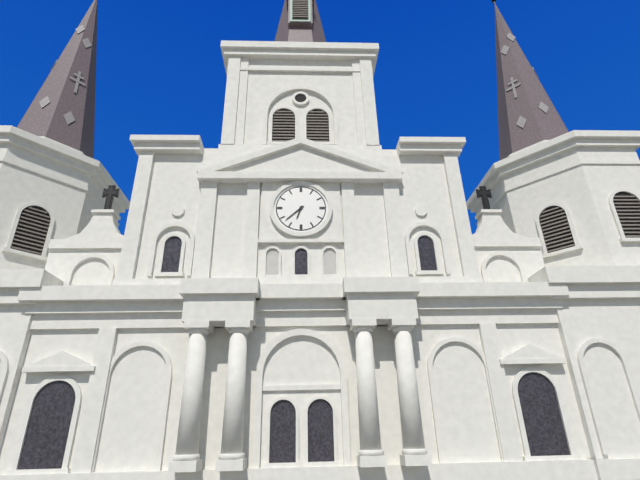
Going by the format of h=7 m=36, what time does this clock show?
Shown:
h=6 m=38
